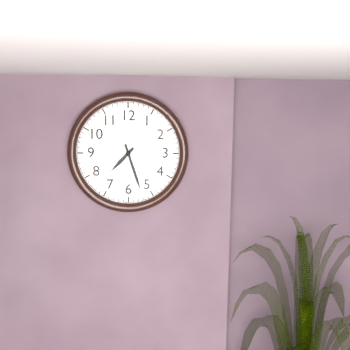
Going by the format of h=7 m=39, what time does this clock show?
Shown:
h=7 m=27
